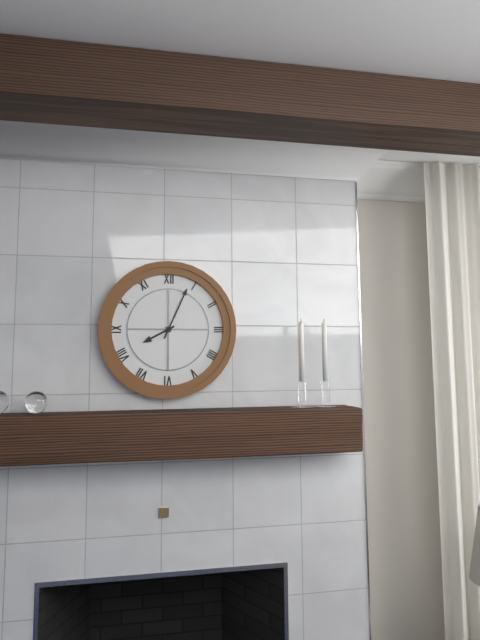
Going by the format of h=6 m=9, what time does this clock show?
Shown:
h=8 m=4
